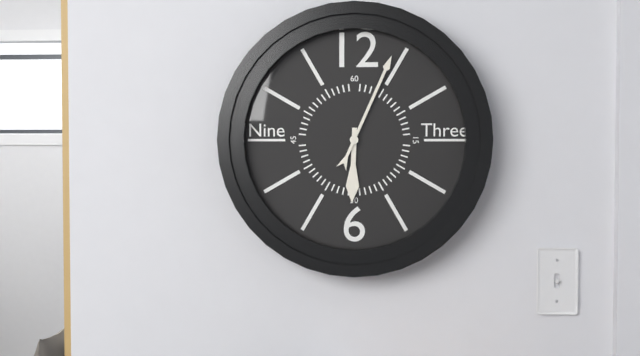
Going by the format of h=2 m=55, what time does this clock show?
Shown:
h=6 m=4
